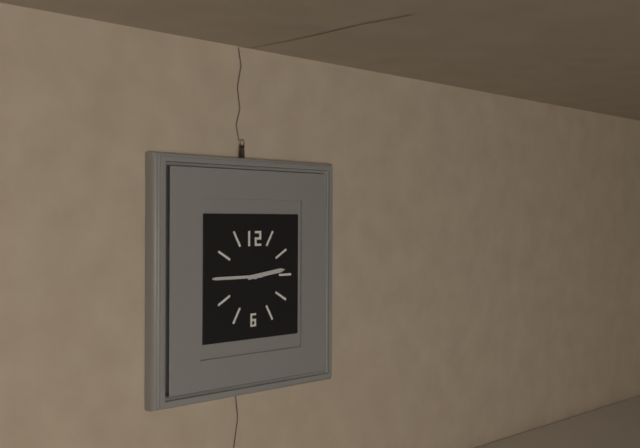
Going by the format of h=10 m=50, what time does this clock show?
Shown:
h=2 m=45
